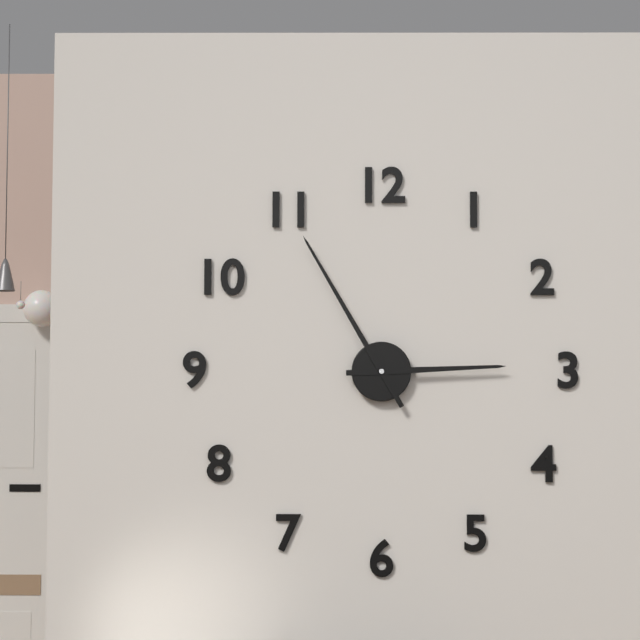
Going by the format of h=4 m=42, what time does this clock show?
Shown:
h=2 m=55
